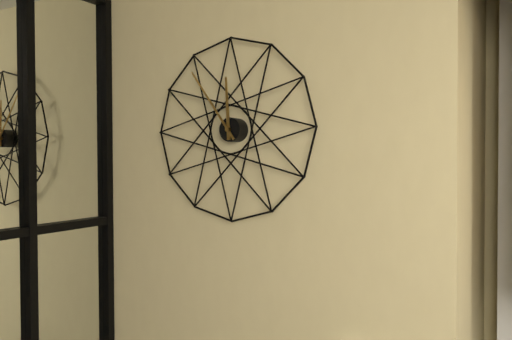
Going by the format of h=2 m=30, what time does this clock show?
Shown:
h=11 m=54
